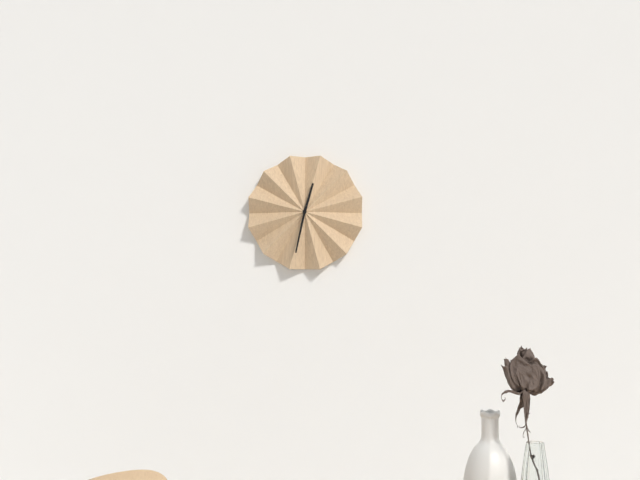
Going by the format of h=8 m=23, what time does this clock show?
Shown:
h=12 m=32
